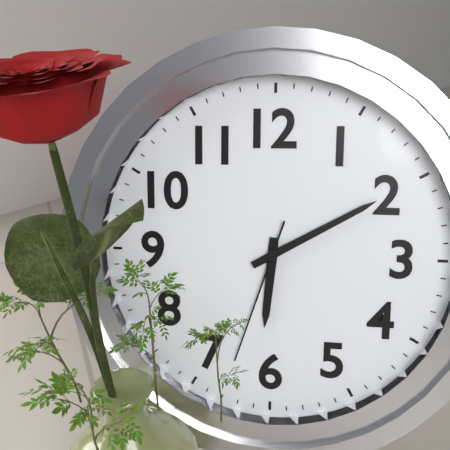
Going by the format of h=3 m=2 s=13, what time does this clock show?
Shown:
h=6 m=10 s=33
